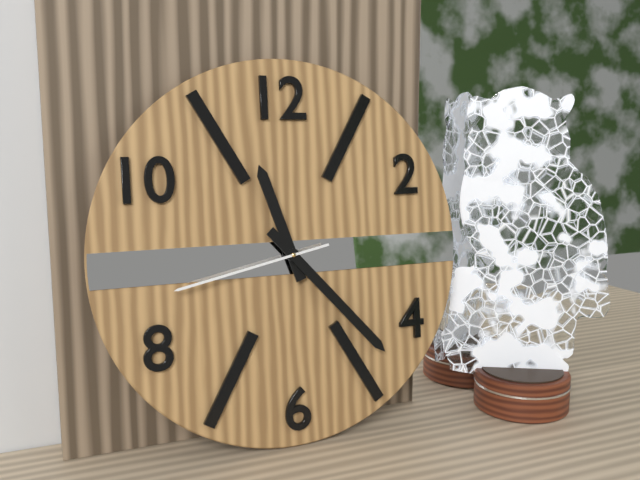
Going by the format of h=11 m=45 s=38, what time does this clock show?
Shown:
h=11 m=23 s=43
